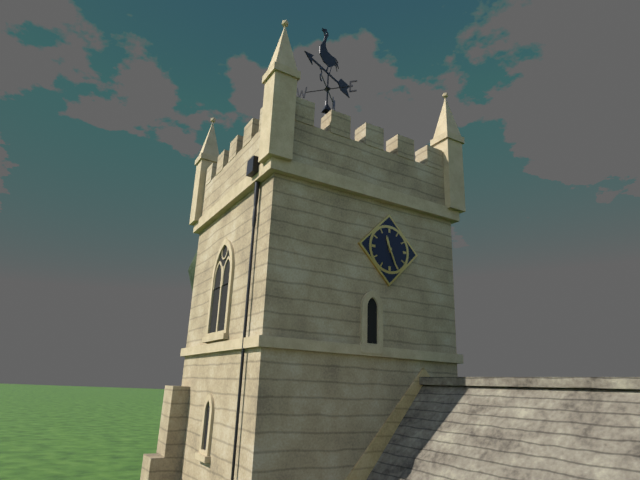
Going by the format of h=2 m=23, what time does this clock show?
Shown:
h=11 m=26
